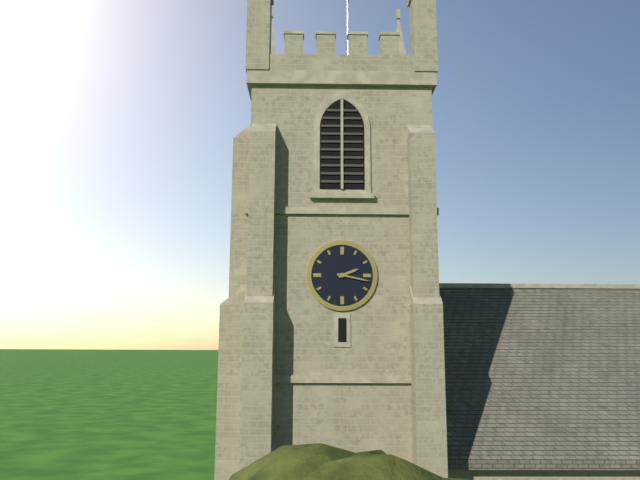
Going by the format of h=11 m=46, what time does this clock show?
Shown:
h=2 m=17
